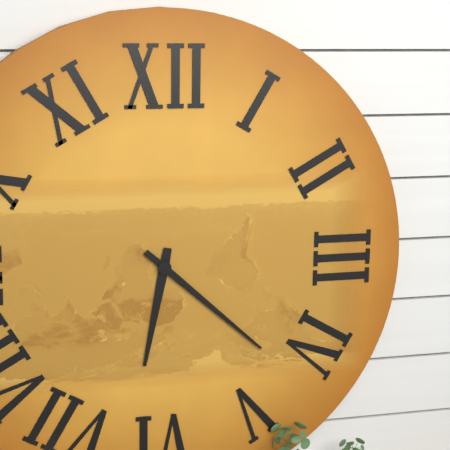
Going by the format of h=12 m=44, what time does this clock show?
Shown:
h=6 m=22
